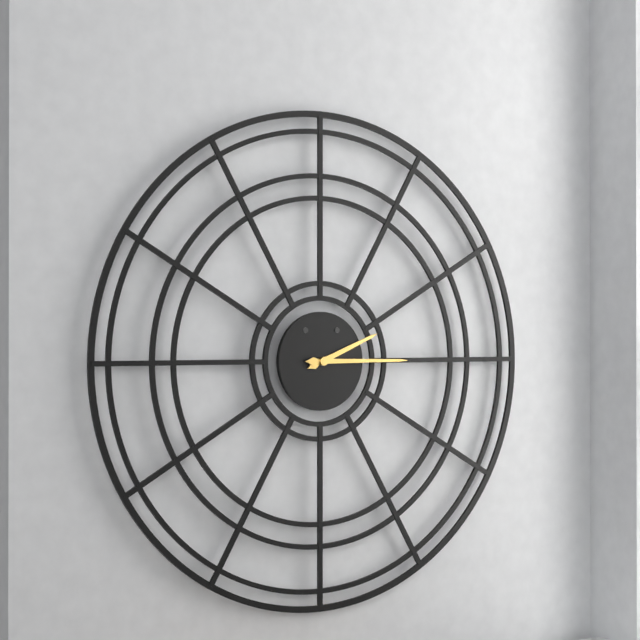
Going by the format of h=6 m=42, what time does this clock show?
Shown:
h=2 m=15
